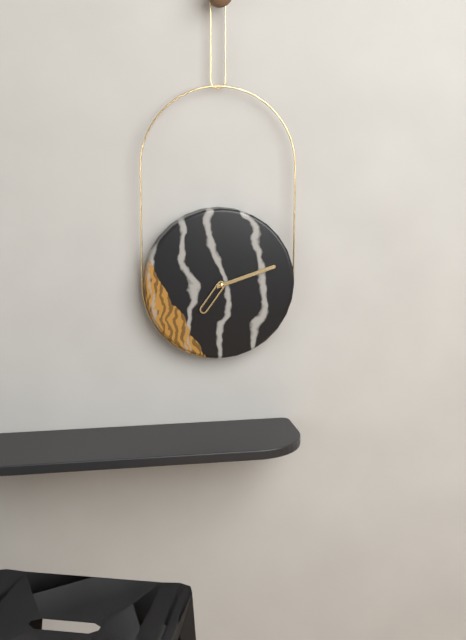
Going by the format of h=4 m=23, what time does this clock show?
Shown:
h=7 m=12
